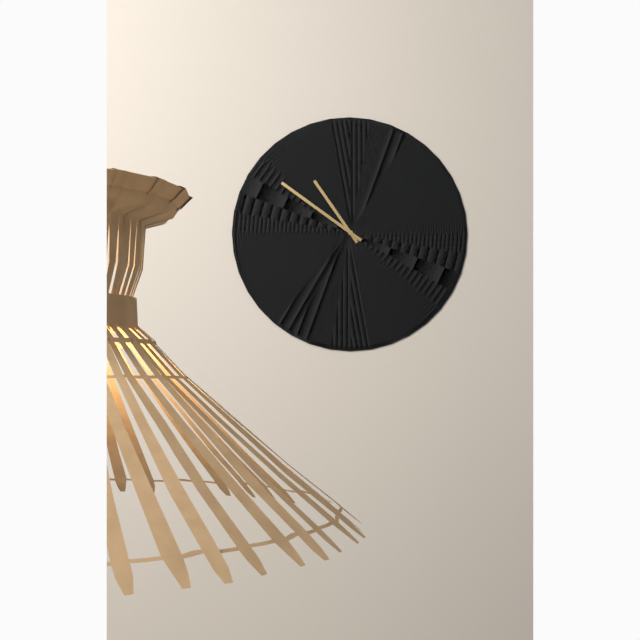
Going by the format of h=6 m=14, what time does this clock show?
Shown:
h=10 m=51
